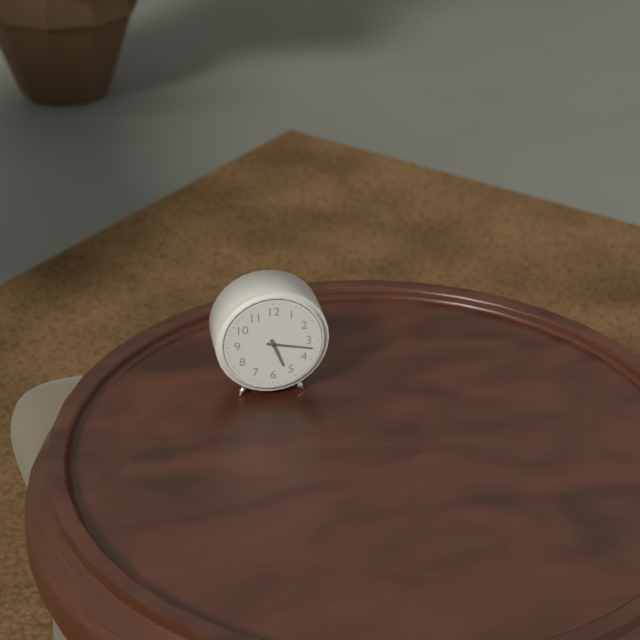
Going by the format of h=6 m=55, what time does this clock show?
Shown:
h=5 m=17
